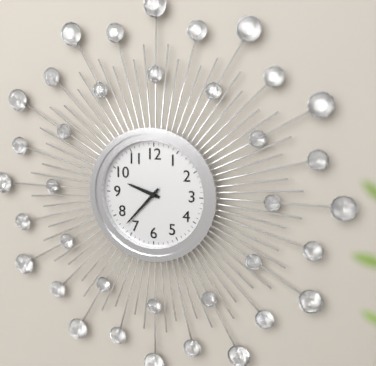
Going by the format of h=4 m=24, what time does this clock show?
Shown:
h=9 m=37
